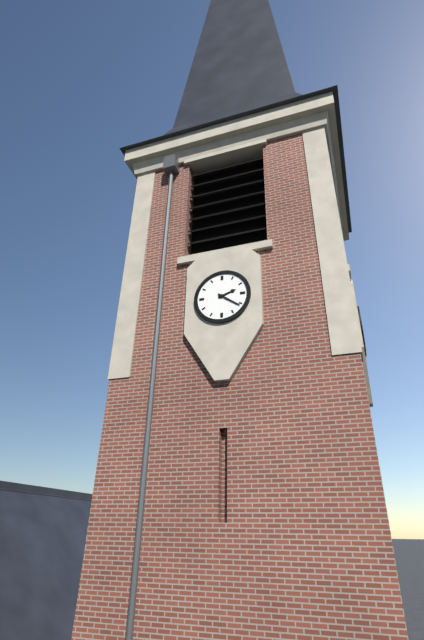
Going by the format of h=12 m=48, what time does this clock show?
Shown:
h=2 m=21
